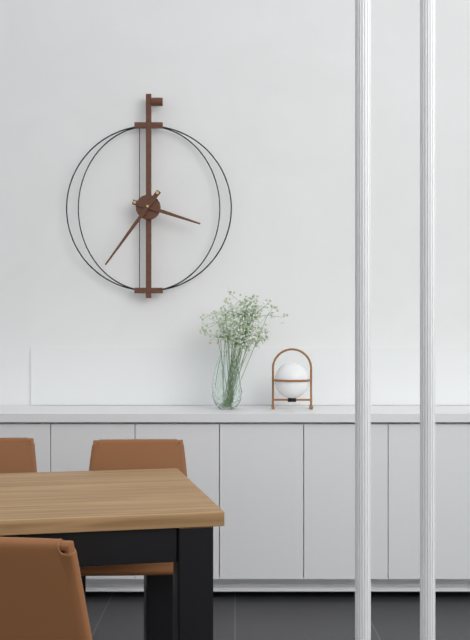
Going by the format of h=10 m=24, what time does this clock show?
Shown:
h=3 m=36
